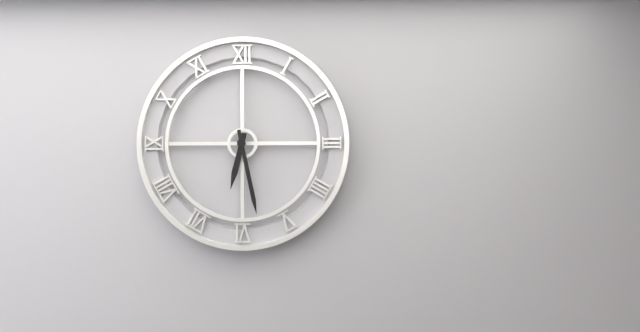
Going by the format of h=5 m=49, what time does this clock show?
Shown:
h=6 m=28
